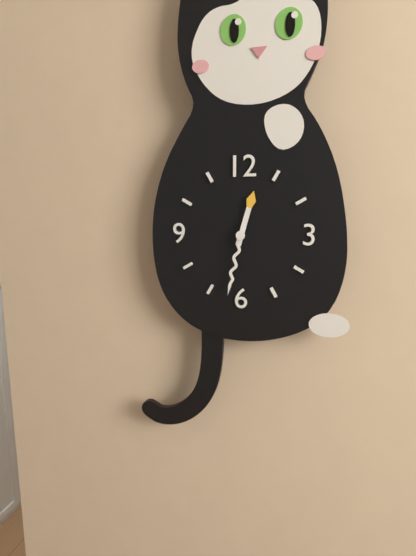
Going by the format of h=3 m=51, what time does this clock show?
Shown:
h=12 m=32
